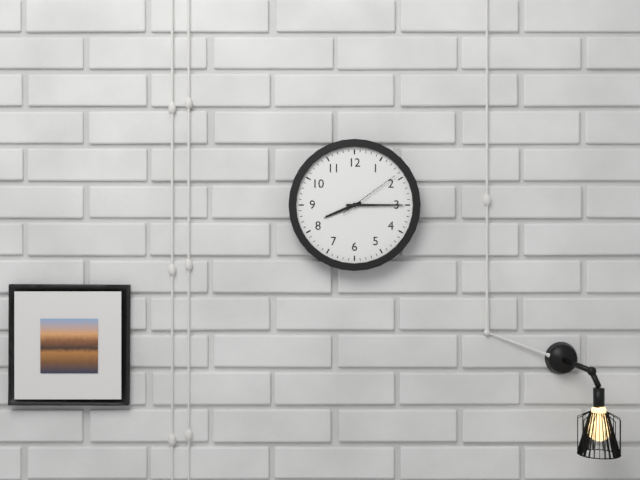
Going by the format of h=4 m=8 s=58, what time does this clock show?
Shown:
h=8 m=15 s=9
